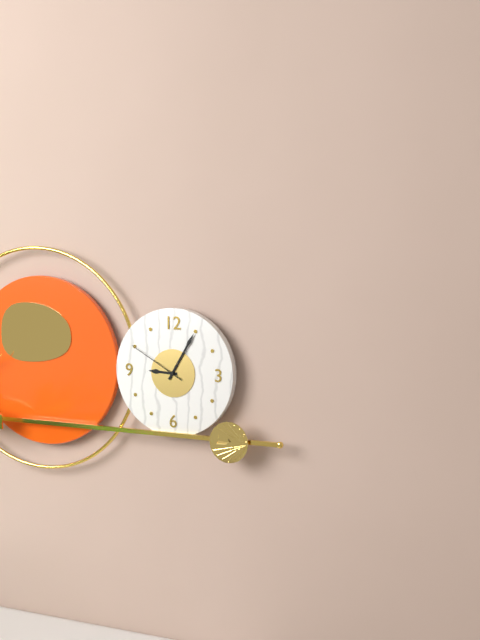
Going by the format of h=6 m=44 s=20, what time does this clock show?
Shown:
h=9 m=5 s=50
